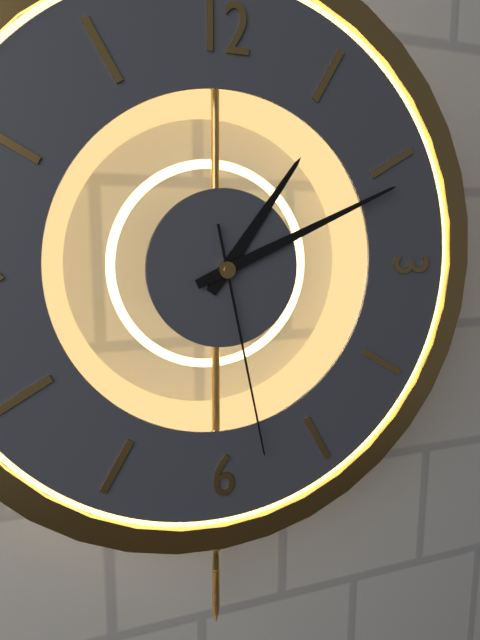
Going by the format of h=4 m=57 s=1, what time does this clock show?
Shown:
h=1 m=11 s=28
